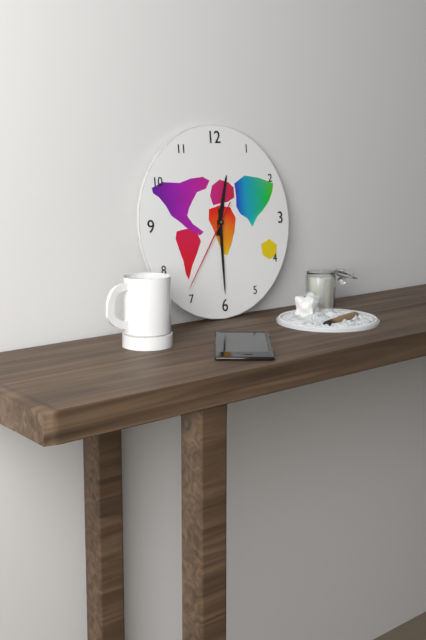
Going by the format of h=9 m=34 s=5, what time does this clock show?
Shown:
h=12 m=30 s=36
